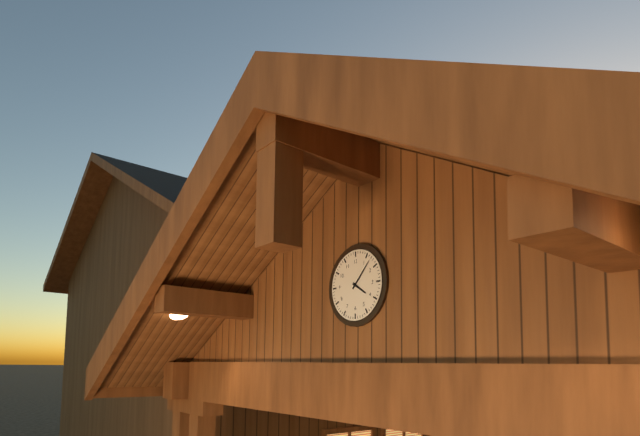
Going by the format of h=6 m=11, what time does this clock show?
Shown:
h=4 m=7
